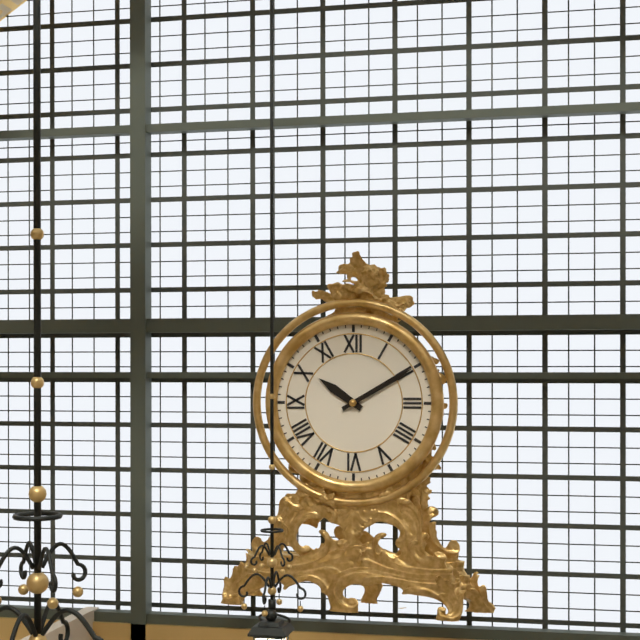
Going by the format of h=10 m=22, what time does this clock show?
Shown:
h=10 m=10
